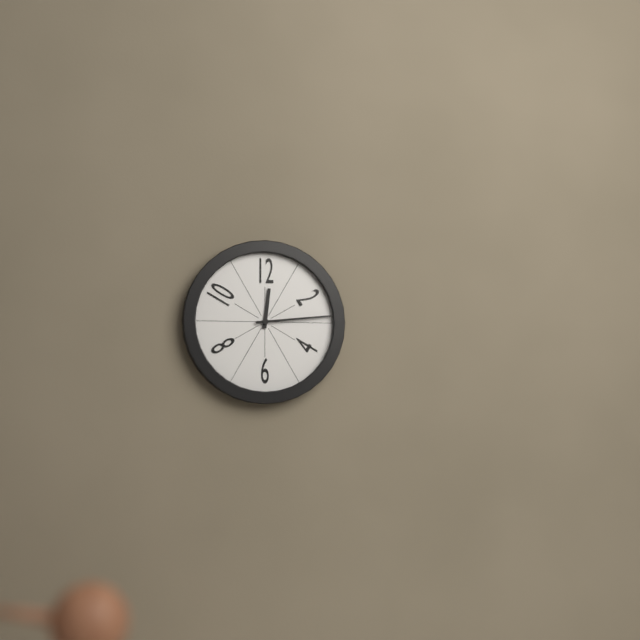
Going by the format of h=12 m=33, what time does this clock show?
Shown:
h=12 m=14
